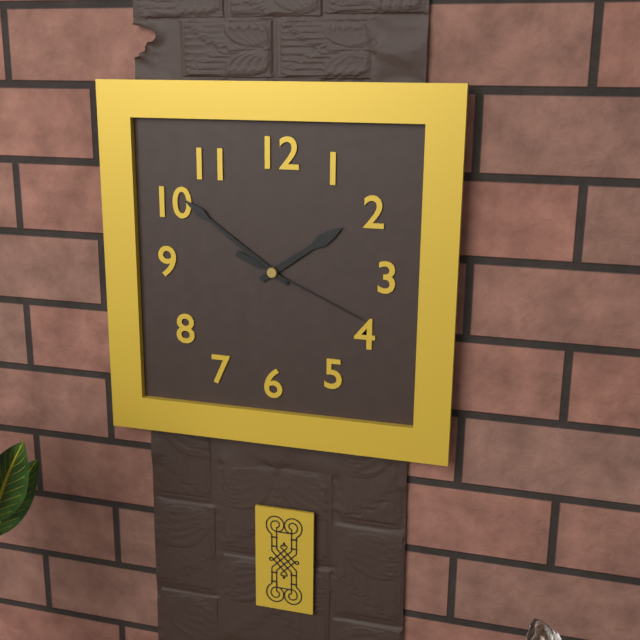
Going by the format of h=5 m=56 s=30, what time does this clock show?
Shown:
h=1 m=51 s=19
